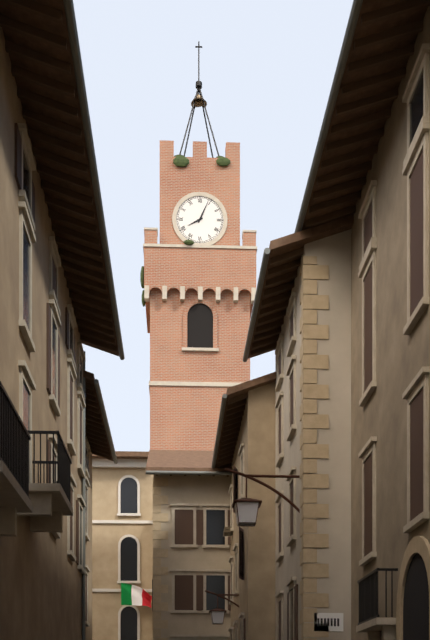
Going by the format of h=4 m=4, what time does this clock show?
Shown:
h=8 m=4
